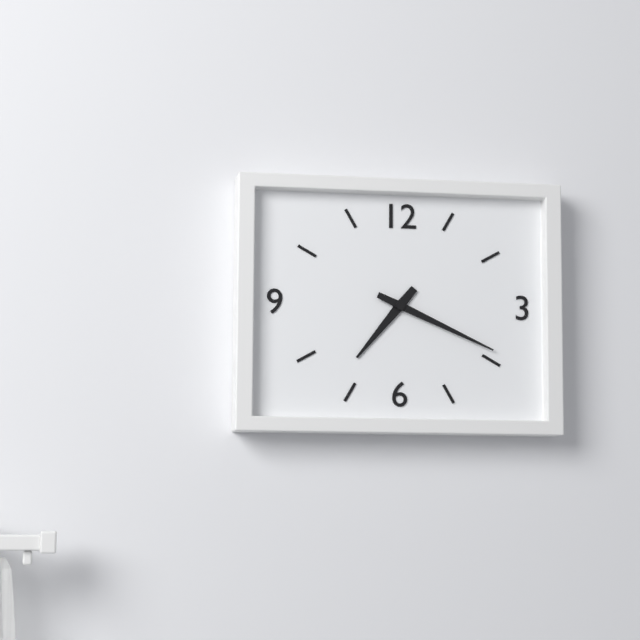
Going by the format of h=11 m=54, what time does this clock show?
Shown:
h=7 m=19
